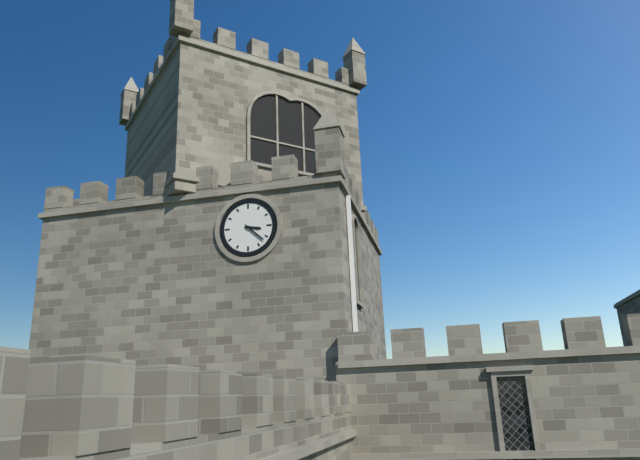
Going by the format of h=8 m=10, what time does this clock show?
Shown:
h=3 m=22
